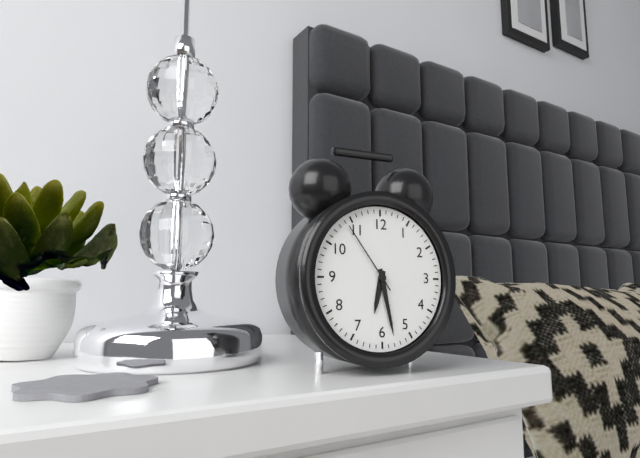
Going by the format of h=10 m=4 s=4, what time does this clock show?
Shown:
h=6 m=28 s=54
